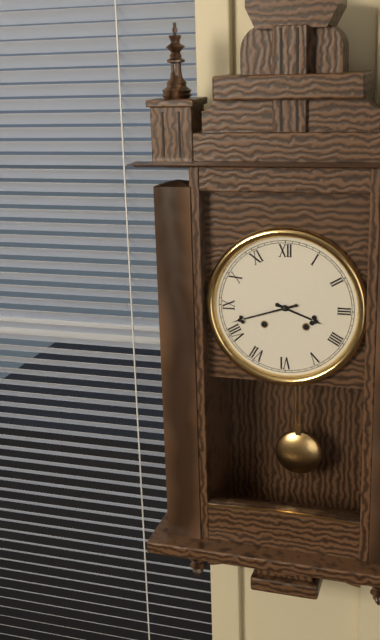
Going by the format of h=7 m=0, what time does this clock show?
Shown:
h=3 m=42
